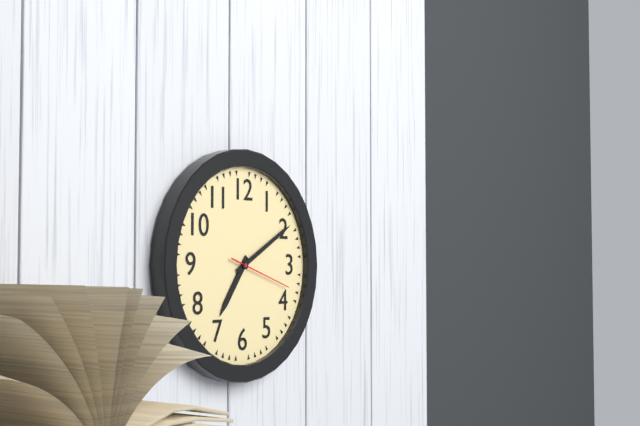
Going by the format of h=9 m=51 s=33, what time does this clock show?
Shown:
h=7 m=10 s=18
